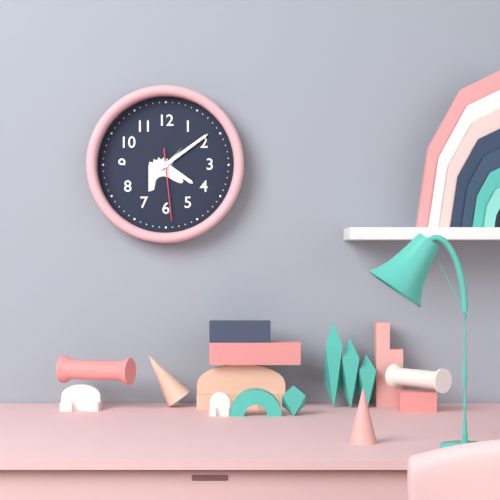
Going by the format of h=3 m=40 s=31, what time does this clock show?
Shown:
h=4 m=9 s=29
